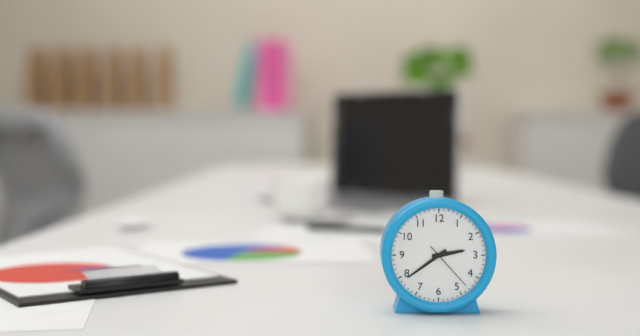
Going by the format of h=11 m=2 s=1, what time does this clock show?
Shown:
h=2 m=39 s=23
